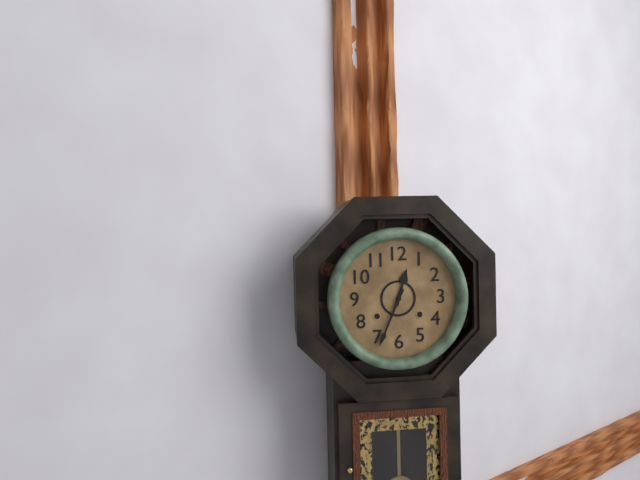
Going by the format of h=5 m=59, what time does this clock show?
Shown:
h=12 m=34
